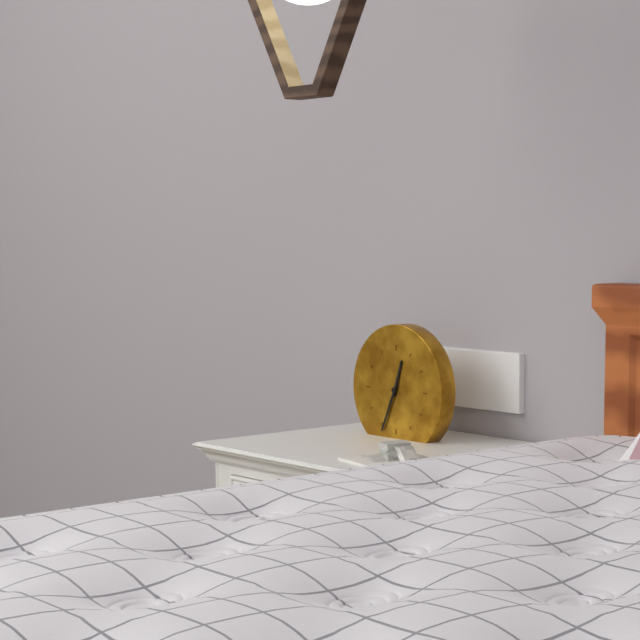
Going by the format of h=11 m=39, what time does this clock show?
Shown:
h=12 m=34
